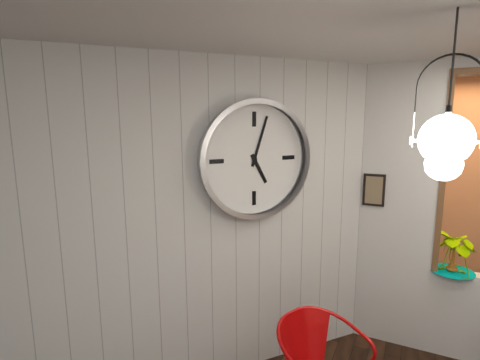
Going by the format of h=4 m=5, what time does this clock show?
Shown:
h=5 m=3
